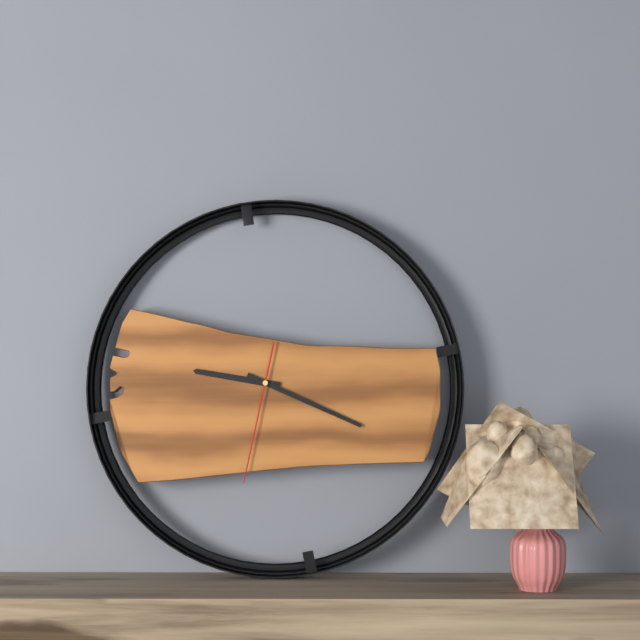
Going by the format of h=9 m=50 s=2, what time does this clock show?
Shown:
h=9 m=19 s=32
